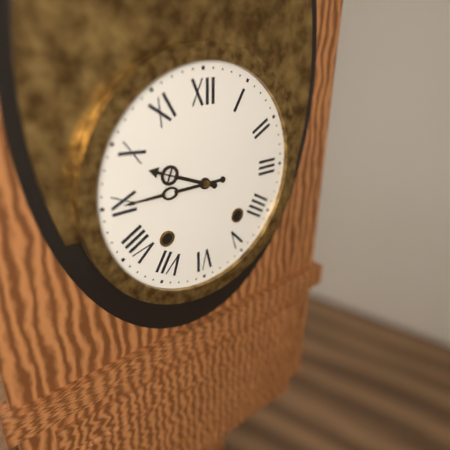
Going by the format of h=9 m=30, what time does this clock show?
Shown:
h=9 m=45
